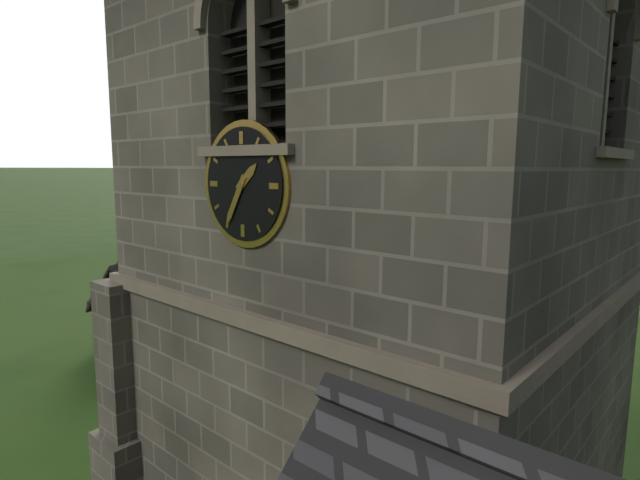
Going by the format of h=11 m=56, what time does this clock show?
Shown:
h=1 m=35
